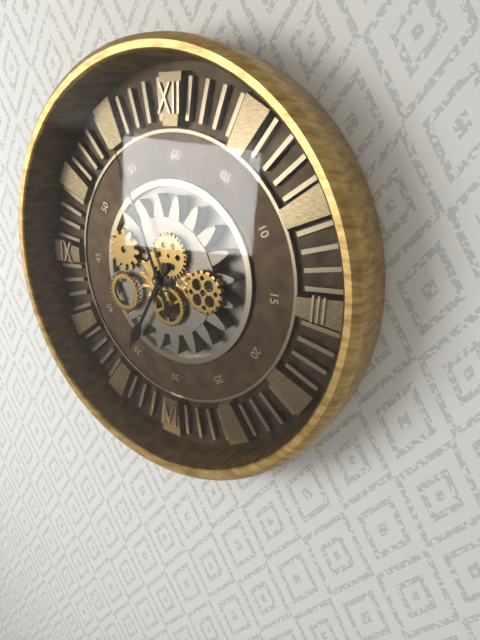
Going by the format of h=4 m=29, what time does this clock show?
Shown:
h=6 m=56
